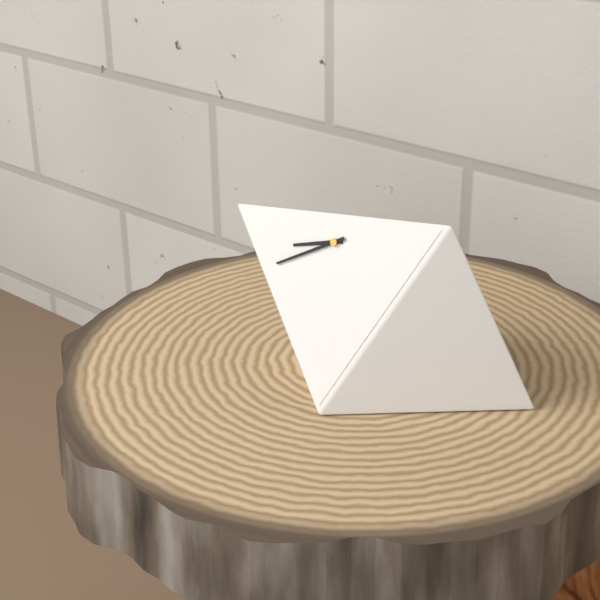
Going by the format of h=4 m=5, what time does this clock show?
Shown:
h=8 m=41
